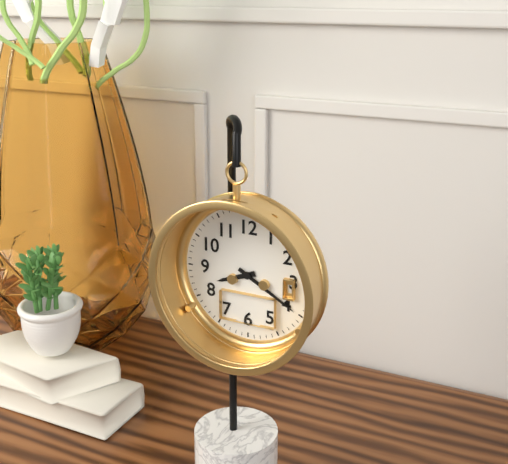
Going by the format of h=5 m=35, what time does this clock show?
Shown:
h=8 m=20
